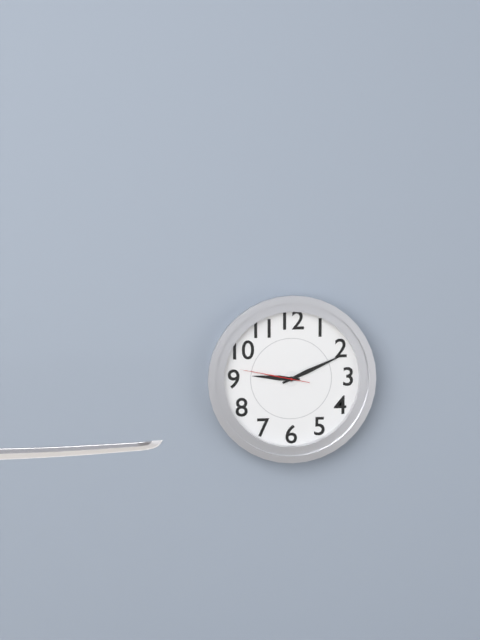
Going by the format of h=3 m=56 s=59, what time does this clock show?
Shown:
h=9 m=11 s=47
